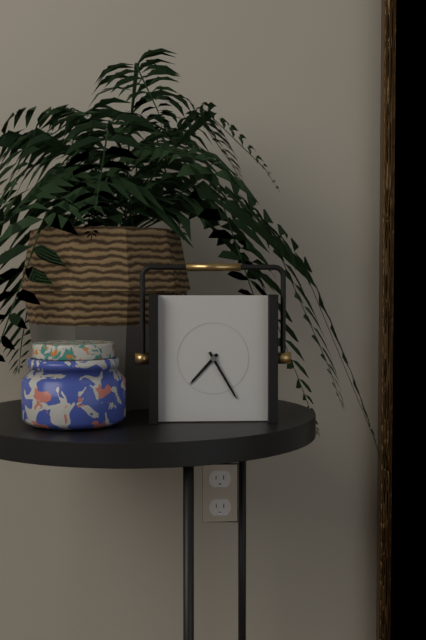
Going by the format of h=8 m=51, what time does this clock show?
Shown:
h=7 m=25
